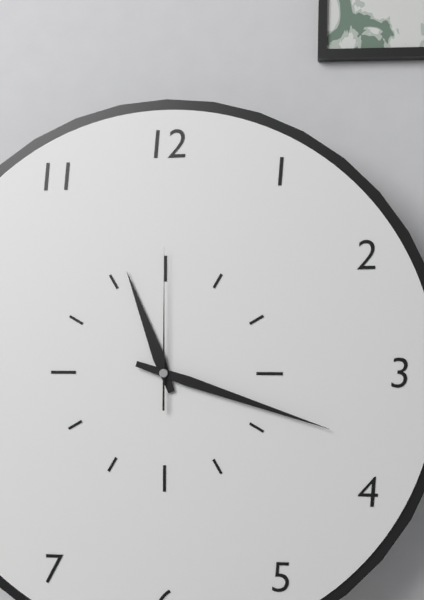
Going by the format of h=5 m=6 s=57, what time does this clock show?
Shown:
h=11 m=18 s=0
